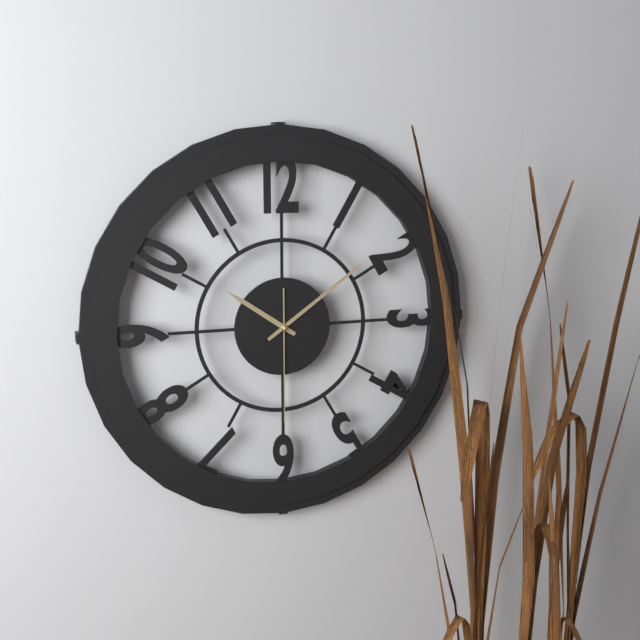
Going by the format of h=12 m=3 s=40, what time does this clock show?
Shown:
h=10 m=9 s=30
